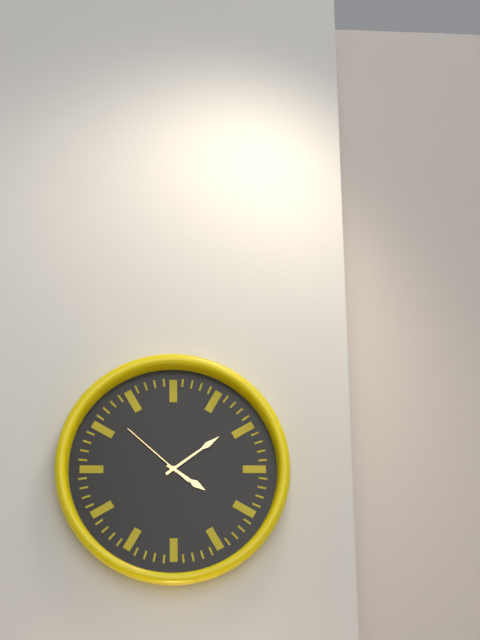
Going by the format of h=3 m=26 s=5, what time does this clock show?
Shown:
h=4 m=9 s=52
